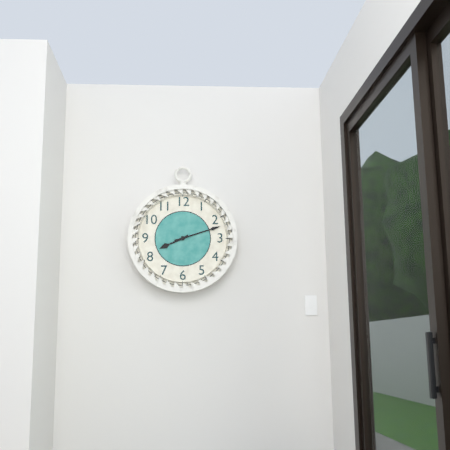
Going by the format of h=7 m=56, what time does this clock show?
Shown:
h=8 m=12
